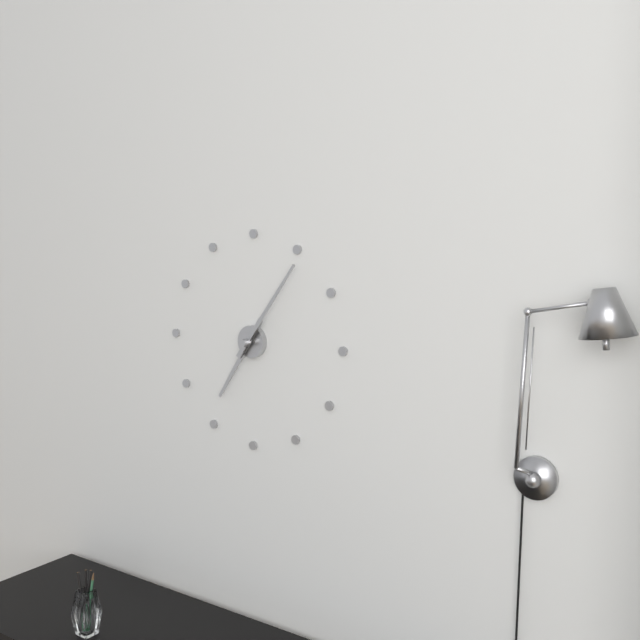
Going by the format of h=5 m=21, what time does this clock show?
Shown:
h=7 m=6
